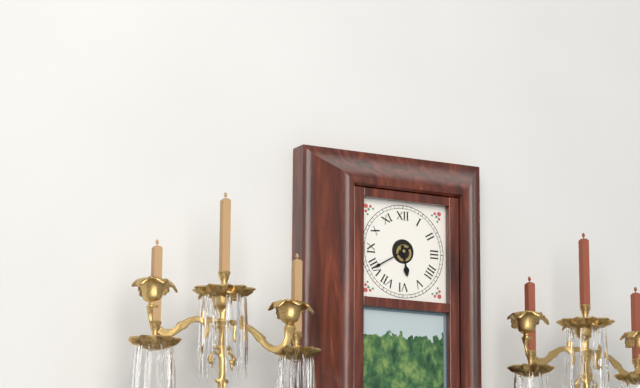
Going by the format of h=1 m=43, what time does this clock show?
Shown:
h=5 m=40
